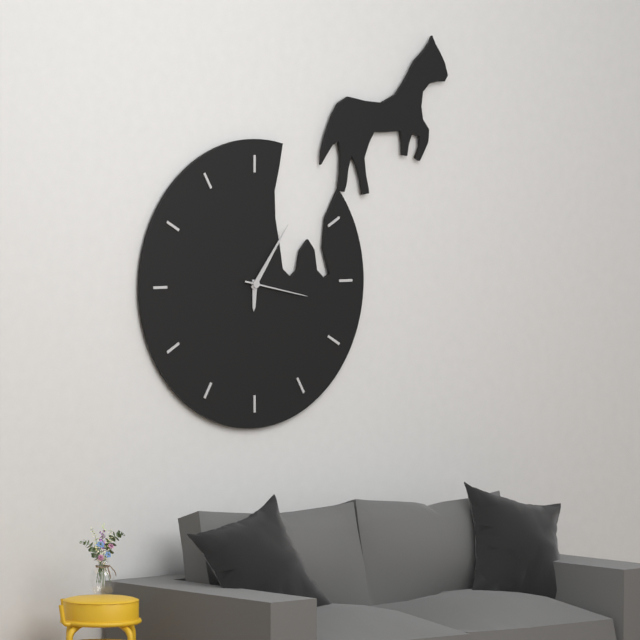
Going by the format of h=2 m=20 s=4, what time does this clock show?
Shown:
h=6 m=6 s=17
